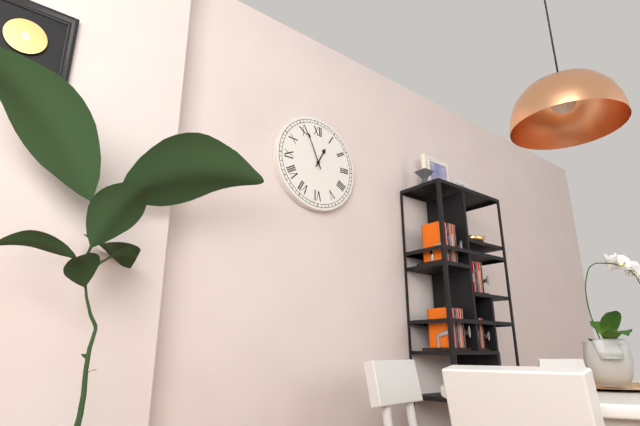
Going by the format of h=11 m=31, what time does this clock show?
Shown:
h=12 m=56
